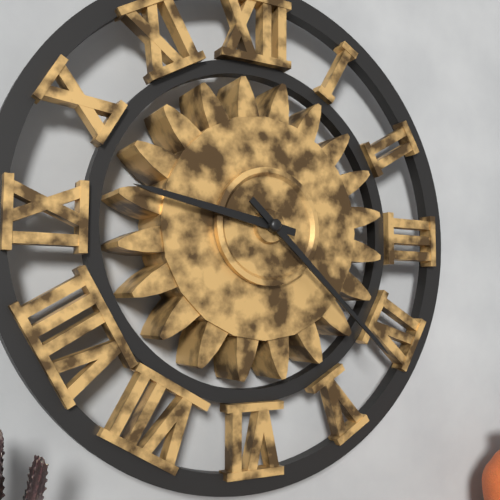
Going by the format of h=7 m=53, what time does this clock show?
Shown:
h=9 m=22
